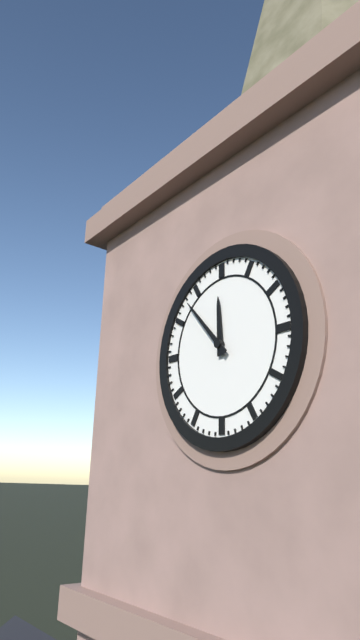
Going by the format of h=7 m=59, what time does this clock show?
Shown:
h=11 m=53
